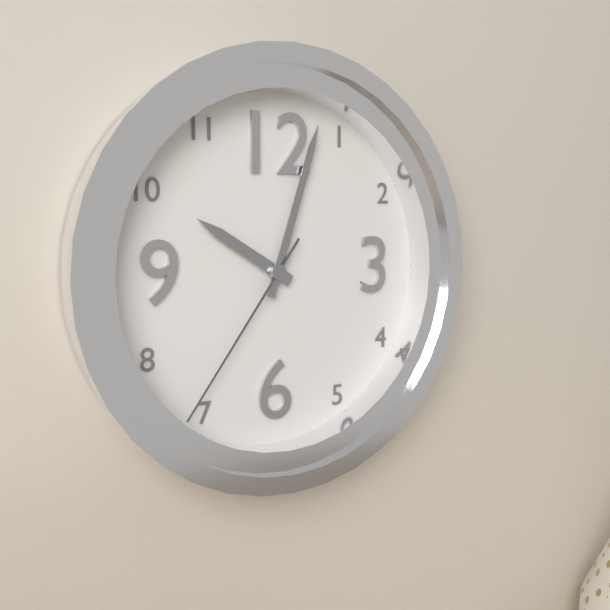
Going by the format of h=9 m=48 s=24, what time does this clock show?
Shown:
h=10 m=3 s=36
